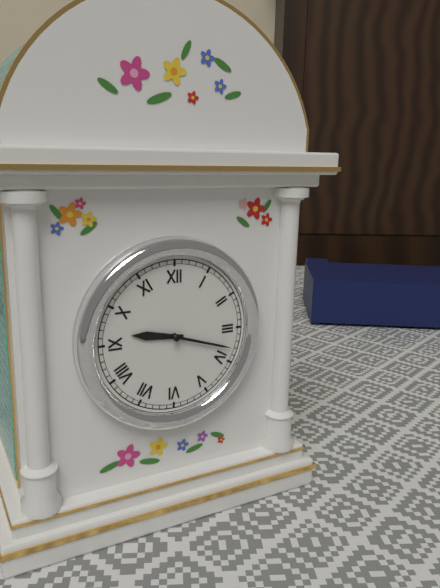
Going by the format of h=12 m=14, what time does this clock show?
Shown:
h=9 m=18
